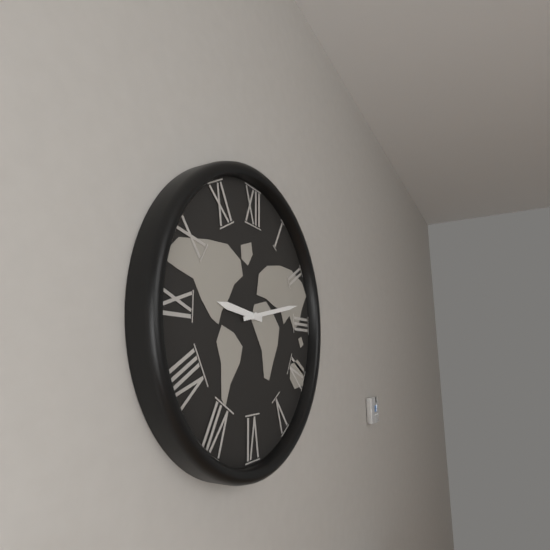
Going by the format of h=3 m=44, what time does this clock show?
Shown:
h=9 m=13
